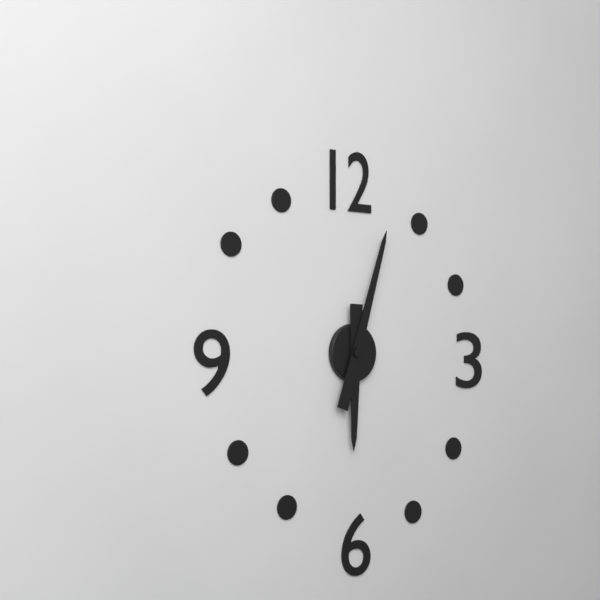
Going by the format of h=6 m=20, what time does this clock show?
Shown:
h=6 m=3
